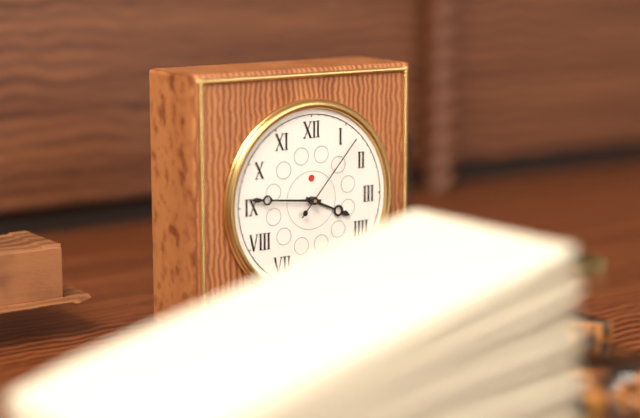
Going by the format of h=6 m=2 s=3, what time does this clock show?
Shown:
h=3 m=46 s=7
